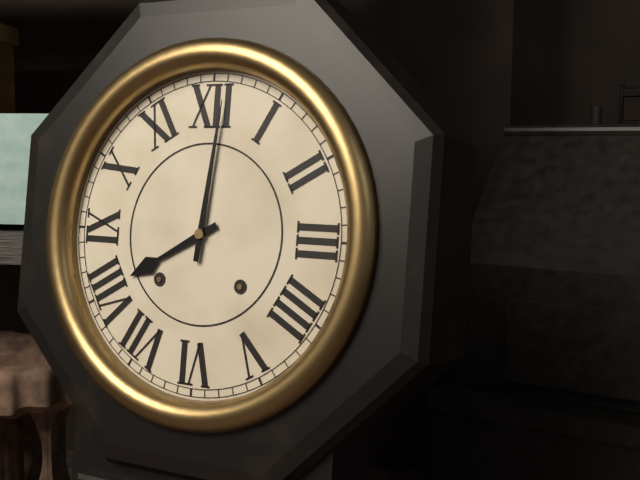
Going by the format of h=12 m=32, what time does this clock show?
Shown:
h=8 m=1
